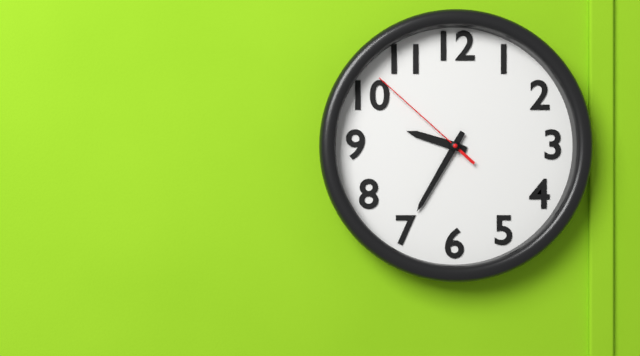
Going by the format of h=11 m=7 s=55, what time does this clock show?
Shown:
h=9 m=35 s=52
